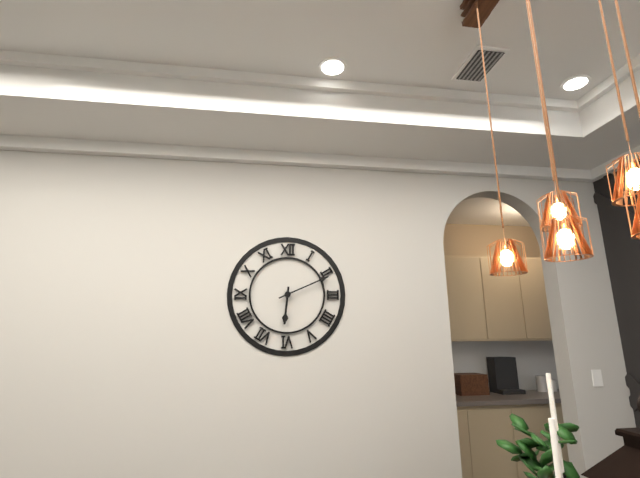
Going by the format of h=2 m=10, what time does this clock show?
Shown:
h=6 m=11
